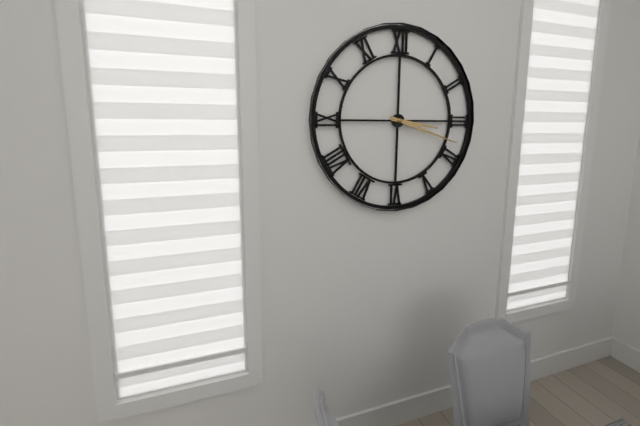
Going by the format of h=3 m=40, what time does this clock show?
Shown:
h=3 m=18
